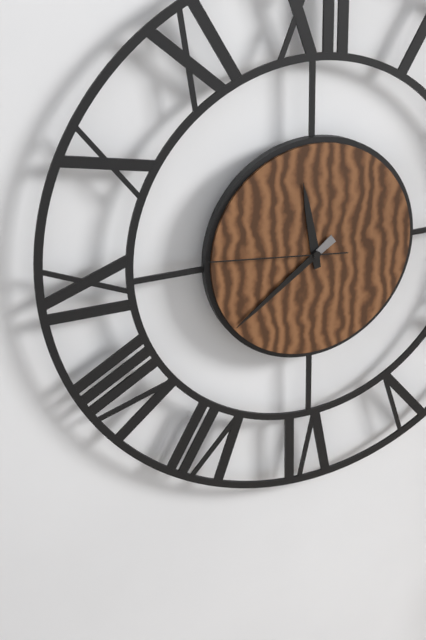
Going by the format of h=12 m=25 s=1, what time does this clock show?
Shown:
h=11 m=39 s=46
